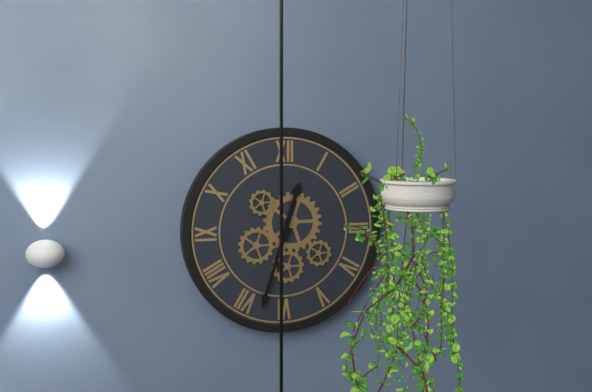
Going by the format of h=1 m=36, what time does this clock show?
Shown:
h=12 m=33
